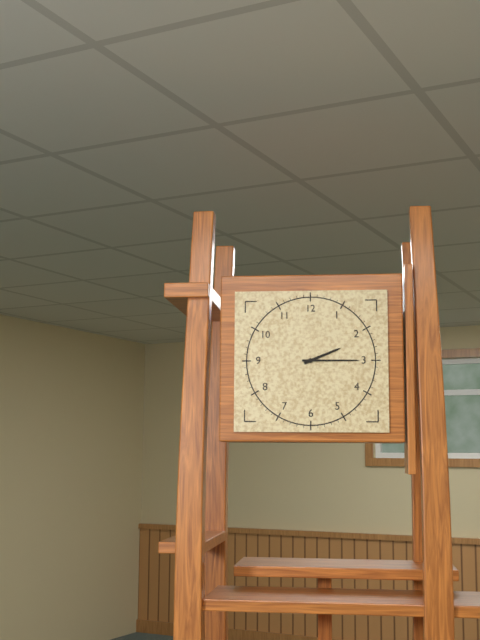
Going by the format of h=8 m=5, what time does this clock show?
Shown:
h=2 m=15
